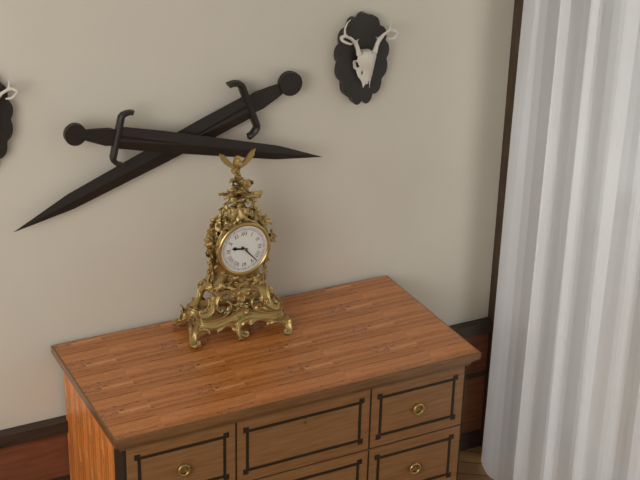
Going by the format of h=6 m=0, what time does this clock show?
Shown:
h=9 m=23
